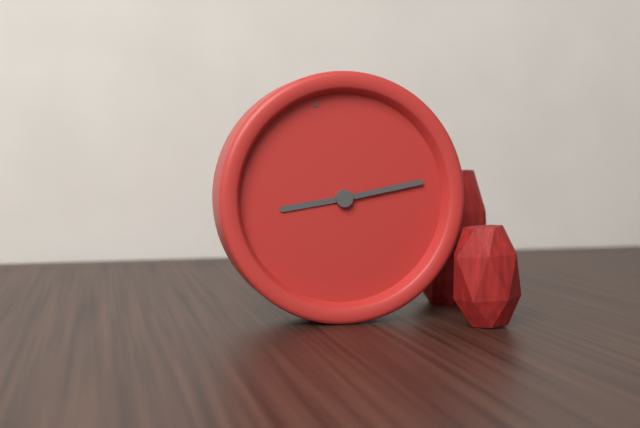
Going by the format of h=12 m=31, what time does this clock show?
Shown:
h=9 m=16
